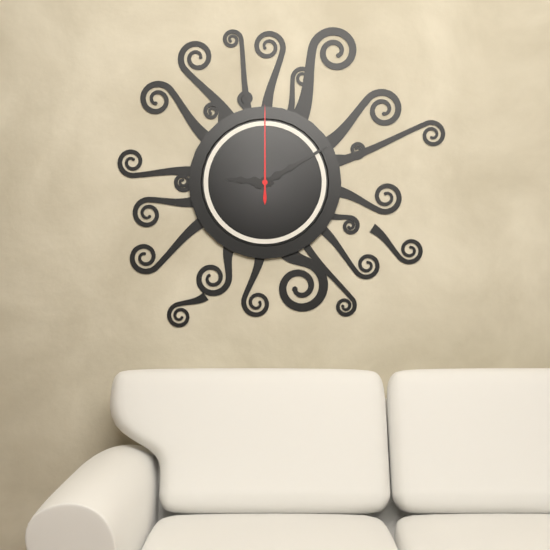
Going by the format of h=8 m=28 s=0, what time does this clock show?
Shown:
h=9 m=10 s=0
